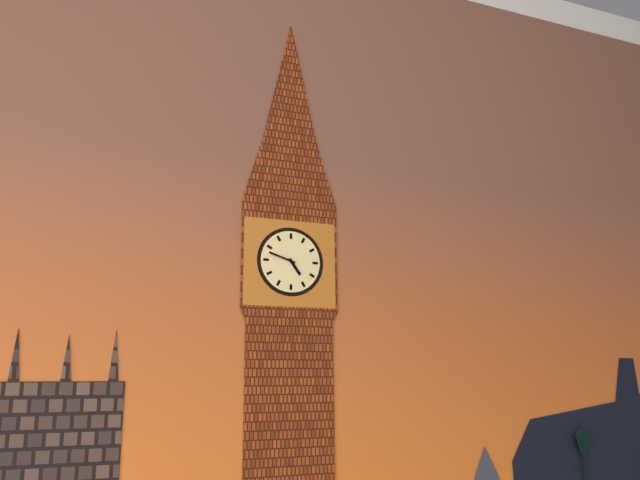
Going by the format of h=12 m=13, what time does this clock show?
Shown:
h=4 m=48
